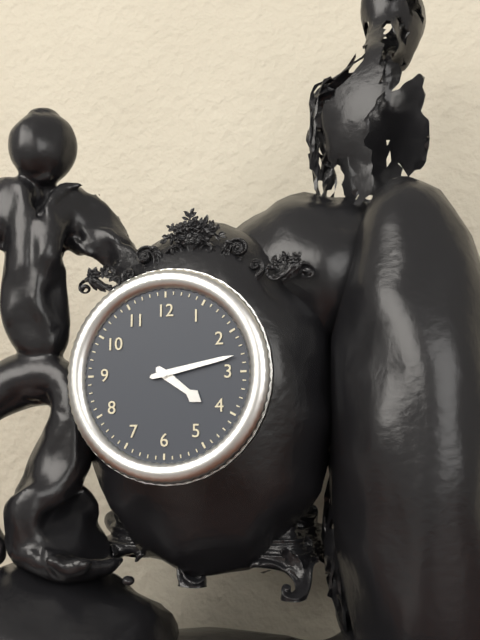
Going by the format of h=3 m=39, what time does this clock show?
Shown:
h=4 m=13
